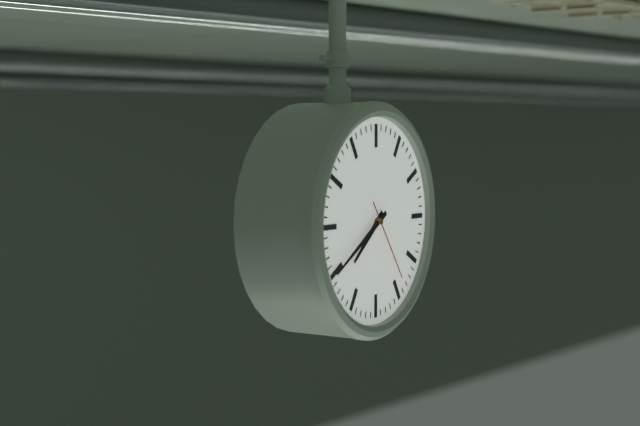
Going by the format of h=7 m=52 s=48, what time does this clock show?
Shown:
h=7 m=40 s=24
